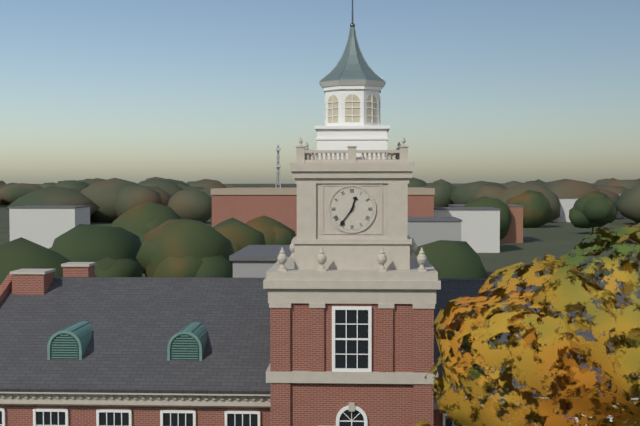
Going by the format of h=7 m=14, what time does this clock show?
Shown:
h=12 m=36
